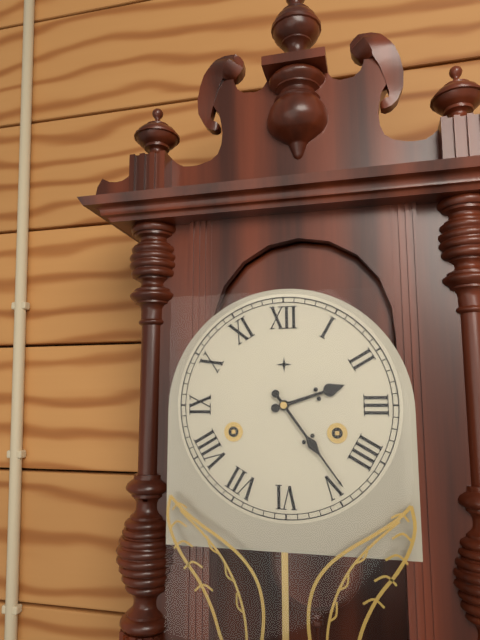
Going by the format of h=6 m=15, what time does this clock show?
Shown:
h=2 m=24
